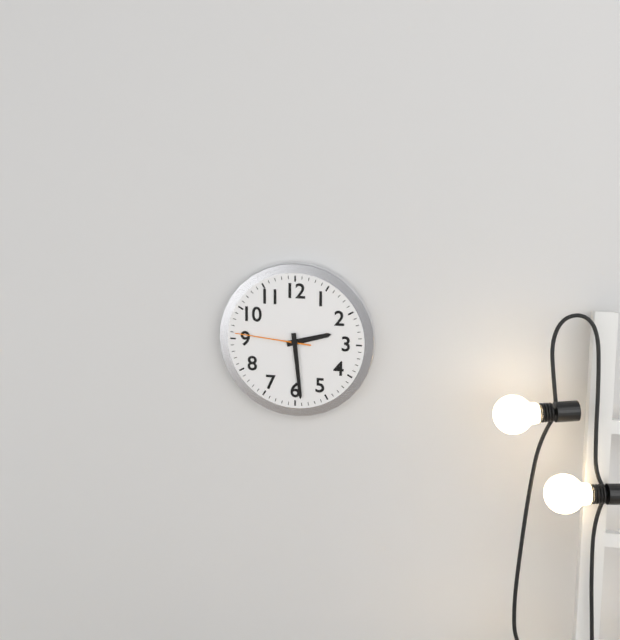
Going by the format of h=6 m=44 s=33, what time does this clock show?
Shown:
h=2 m=29 s=46
